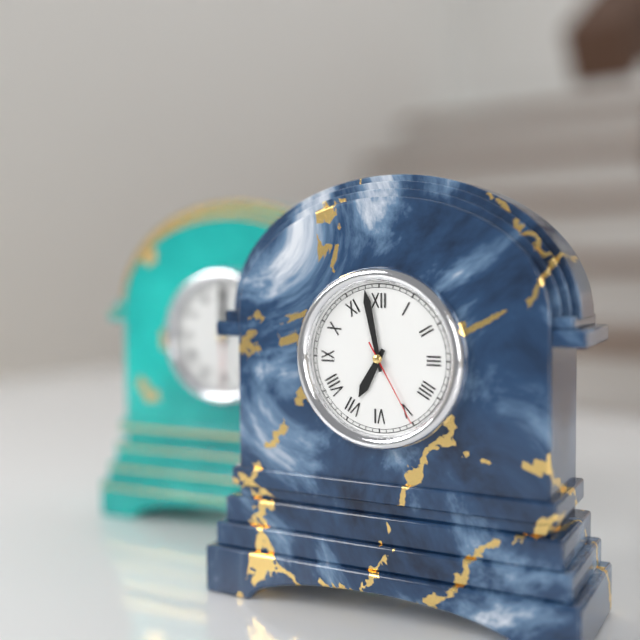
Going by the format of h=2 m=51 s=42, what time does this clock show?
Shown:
h=6 m=58 s=25
